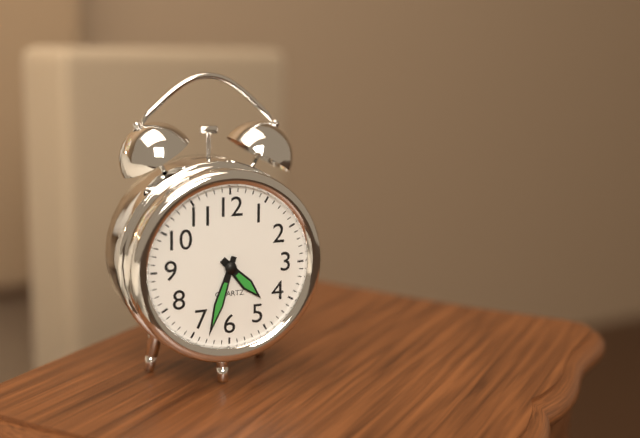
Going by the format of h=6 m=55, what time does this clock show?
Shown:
h=4 m=33
